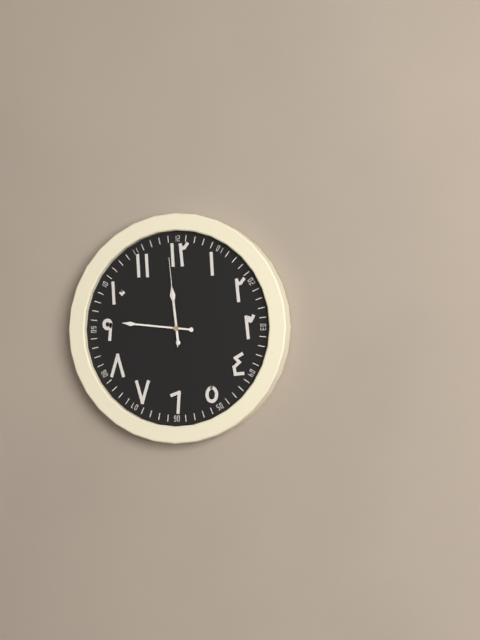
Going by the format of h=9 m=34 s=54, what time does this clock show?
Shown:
h=11 m=46 s=59
